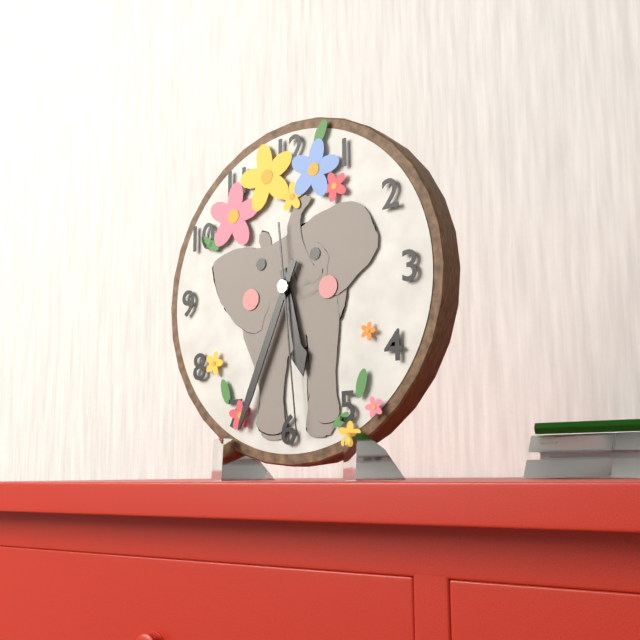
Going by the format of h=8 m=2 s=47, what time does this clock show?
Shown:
h=5 m=34 s=29
